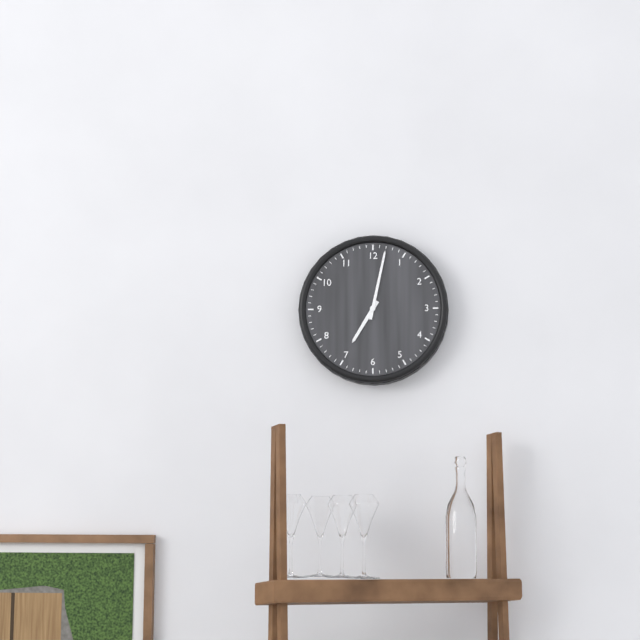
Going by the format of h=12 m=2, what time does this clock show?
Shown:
h=7 m=2
